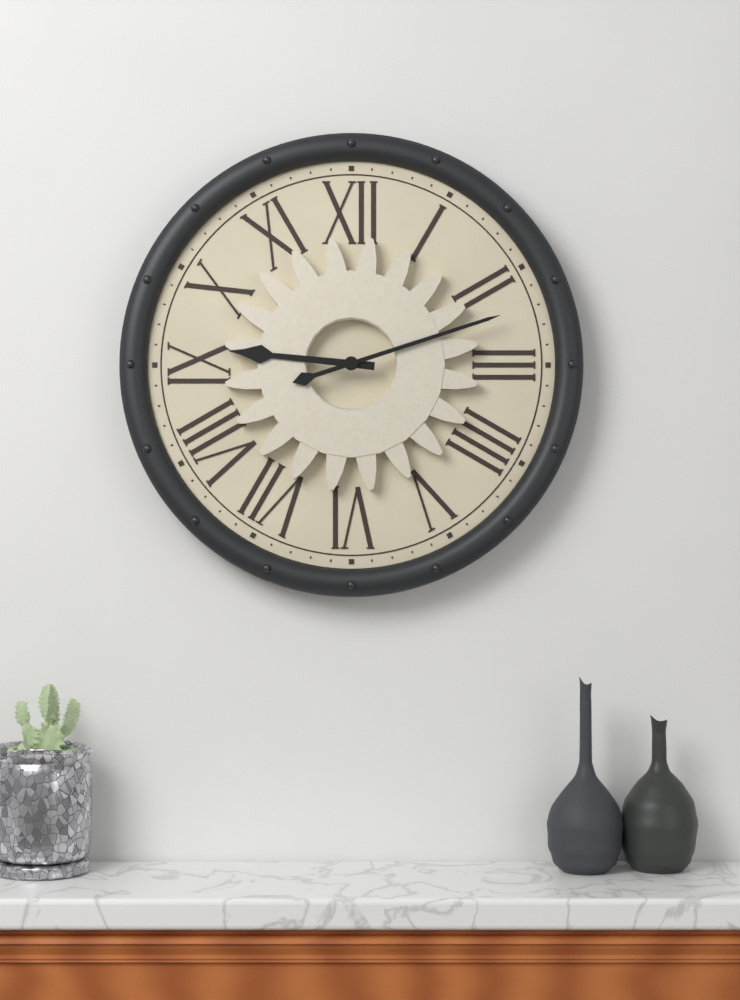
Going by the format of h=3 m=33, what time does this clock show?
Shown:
h=9 m=12
